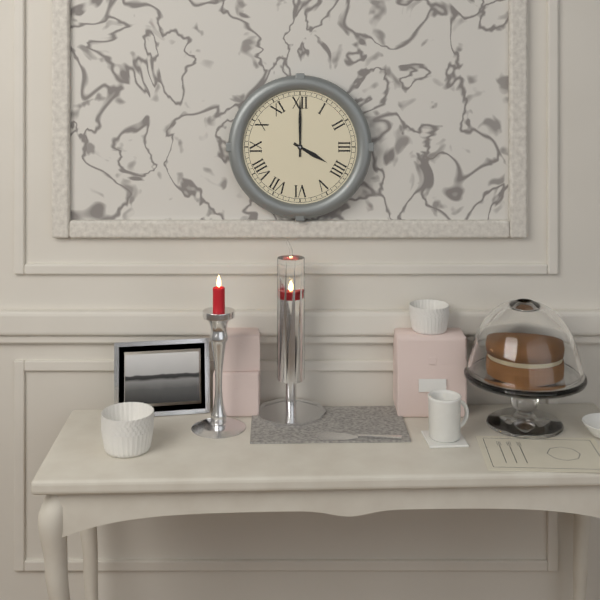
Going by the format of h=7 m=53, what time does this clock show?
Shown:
h=4 m=0
